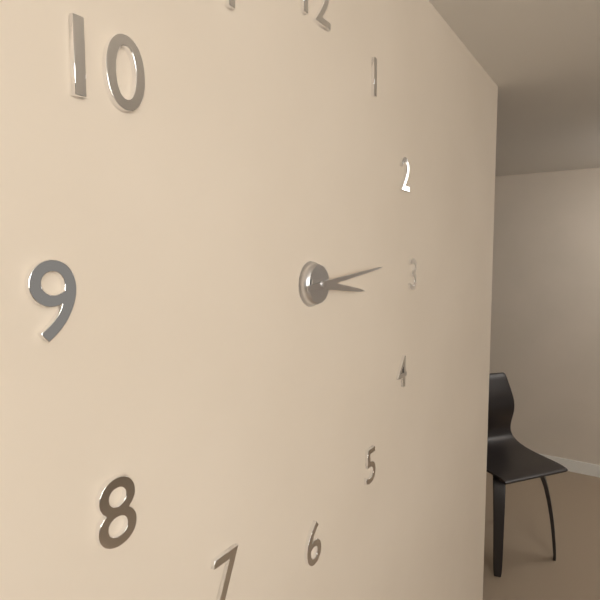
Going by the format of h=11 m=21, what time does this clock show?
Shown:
h=3 m=14
